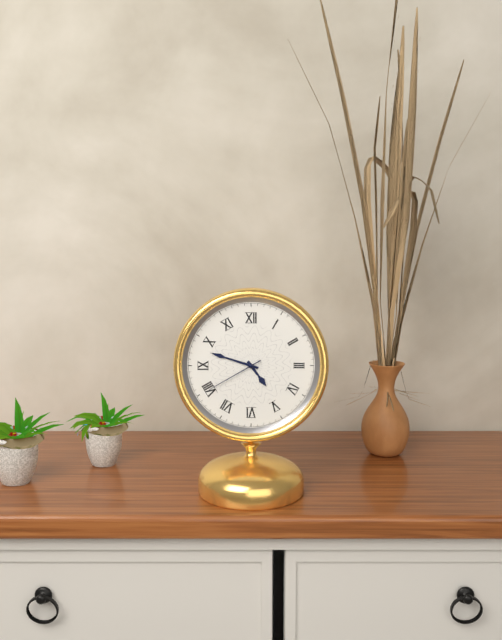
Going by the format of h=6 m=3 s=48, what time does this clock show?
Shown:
h=4 m=48 s=40
